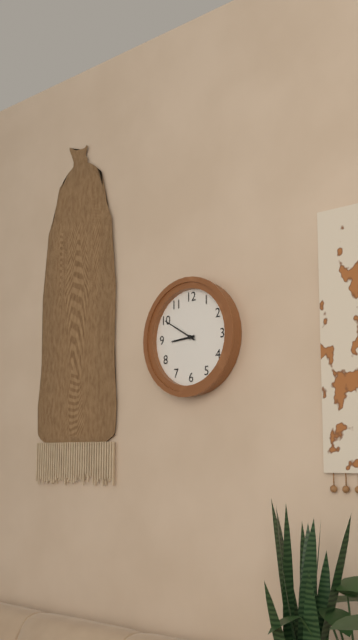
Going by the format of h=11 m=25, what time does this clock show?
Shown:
h=8 m=50
